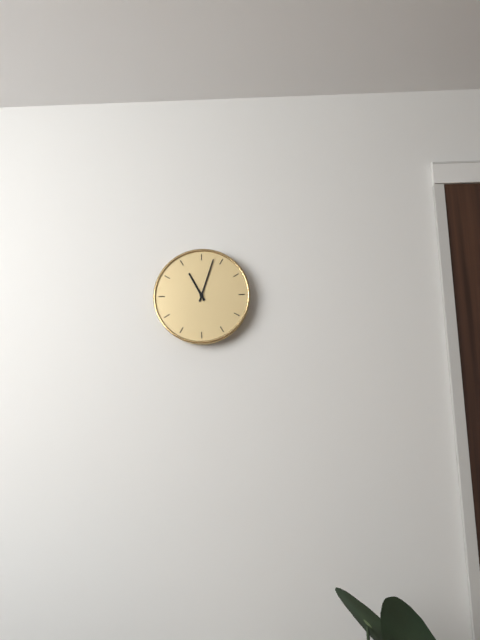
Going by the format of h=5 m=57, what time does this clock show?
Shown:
h=11 m=3
